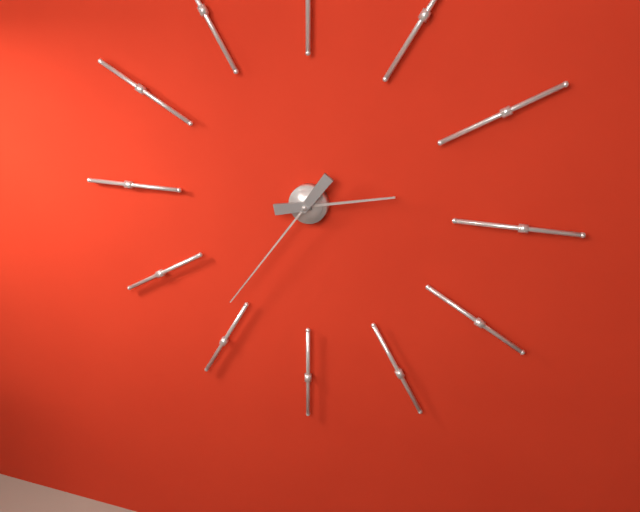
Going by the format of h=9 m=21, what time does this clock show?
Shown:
h=2 m=36
